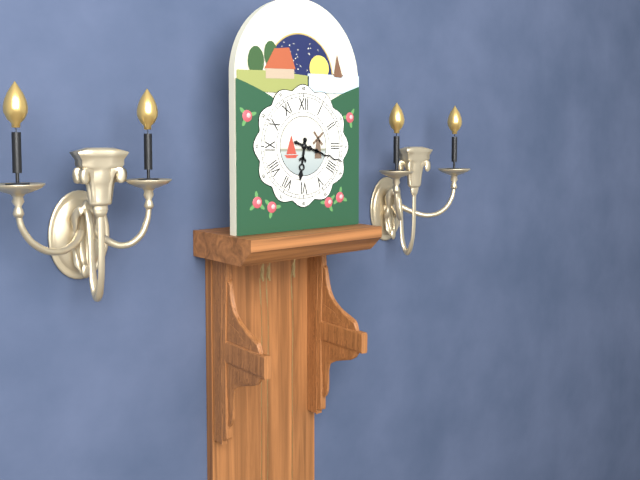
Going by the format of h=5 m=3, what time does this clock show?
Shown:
h=6 m=18
